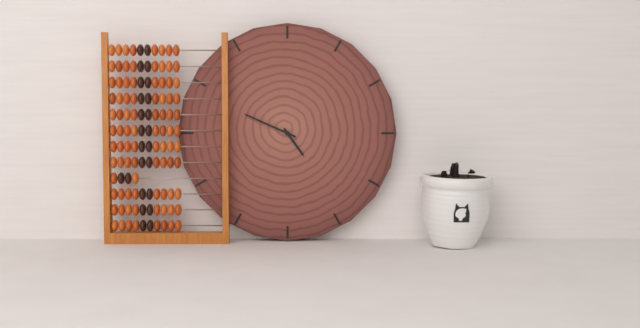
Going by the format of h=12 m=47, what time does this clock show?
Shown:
h=4 m=49
